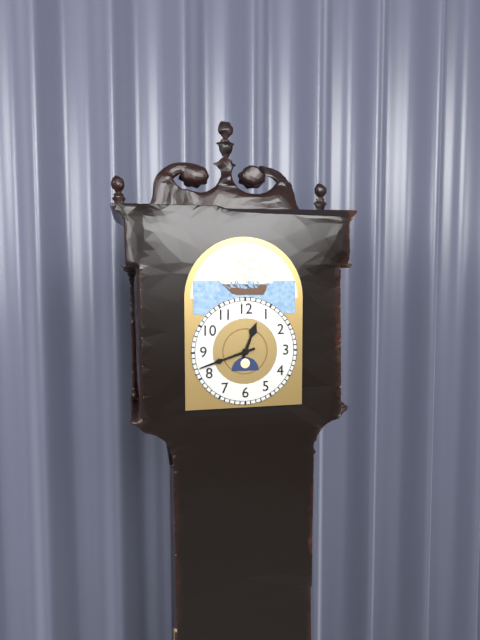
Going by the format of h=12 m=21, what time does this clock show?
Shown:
h=12 m=42
